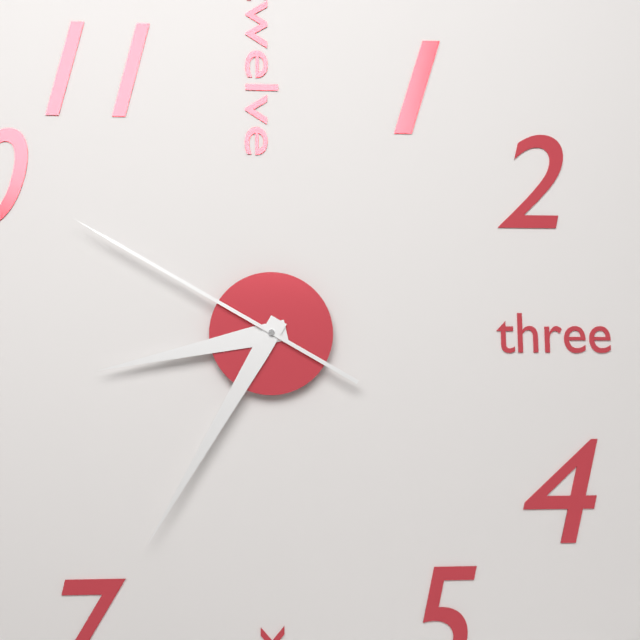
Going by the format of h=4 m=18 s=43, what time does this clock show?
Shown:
h=8 m=35 s=50
